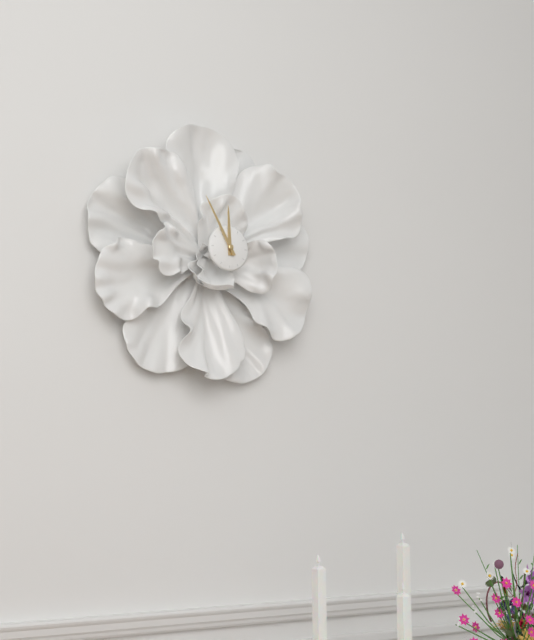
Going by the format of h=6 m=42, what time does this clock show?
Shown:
h=11 m=55
